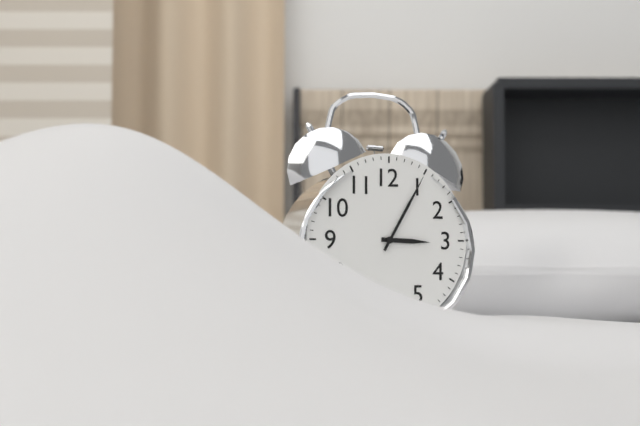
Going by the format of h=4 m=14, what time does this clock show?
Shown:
h=3 m=5
